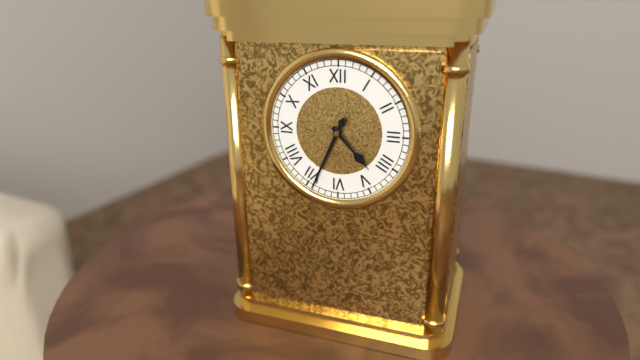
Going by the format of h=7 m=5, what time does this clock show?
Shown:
h=4 m=34
